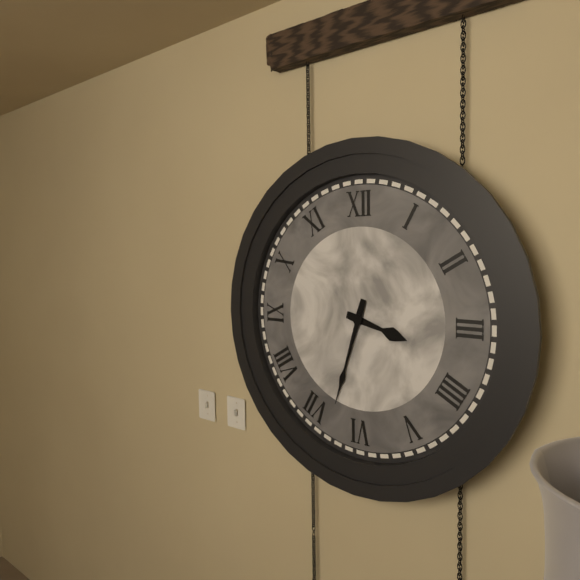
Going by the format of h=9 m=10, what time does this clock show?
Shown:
h=3 m=33
